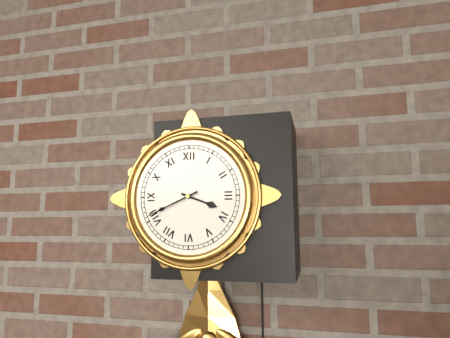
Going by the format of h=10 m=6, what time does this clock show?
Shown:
h=3 m=41
